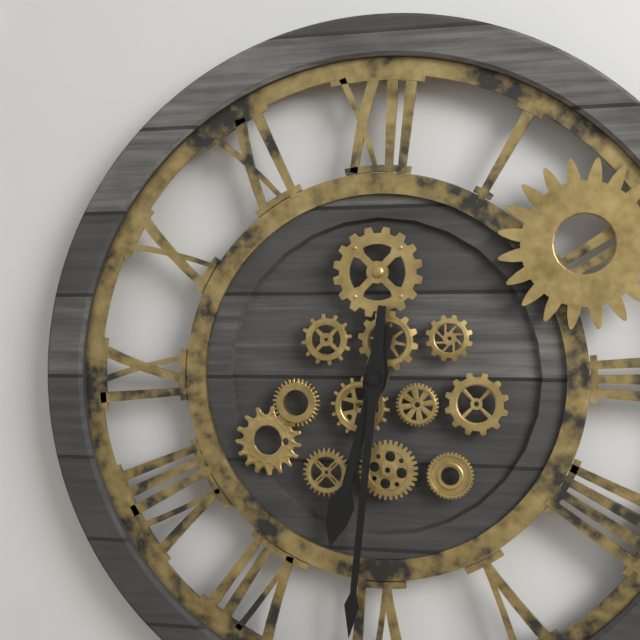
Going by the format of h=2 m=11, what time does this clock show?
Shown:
h=6 m=31
